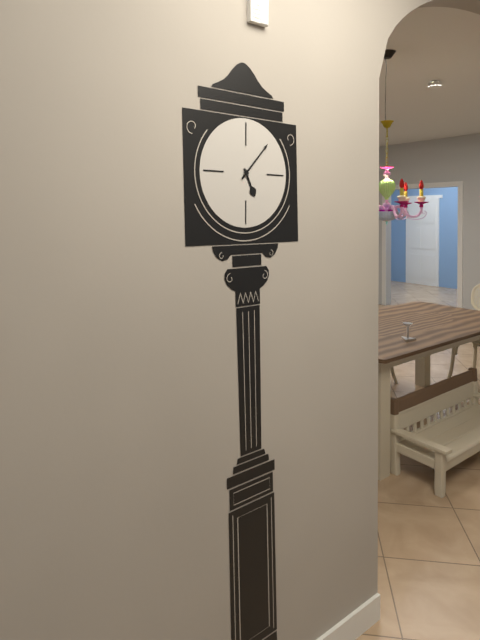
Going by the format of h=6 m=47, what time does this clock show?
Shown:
h=5 m=7
